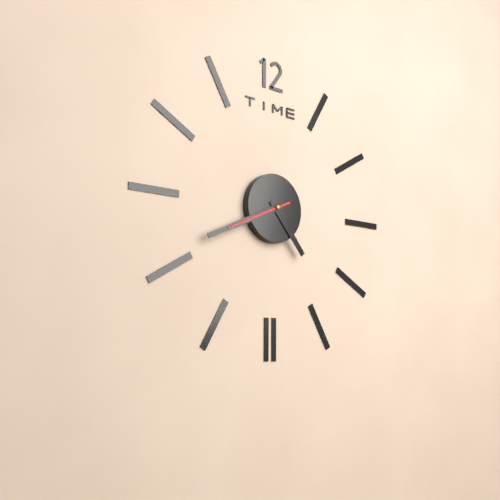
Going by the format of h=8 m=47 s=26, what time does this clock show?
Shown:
h=4 m=41 s=41
